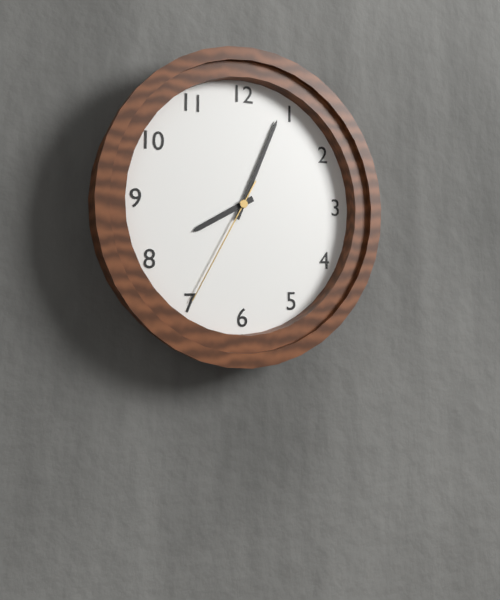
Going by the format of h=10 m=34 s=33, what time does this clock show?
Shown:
h=8 m=4 s=35
